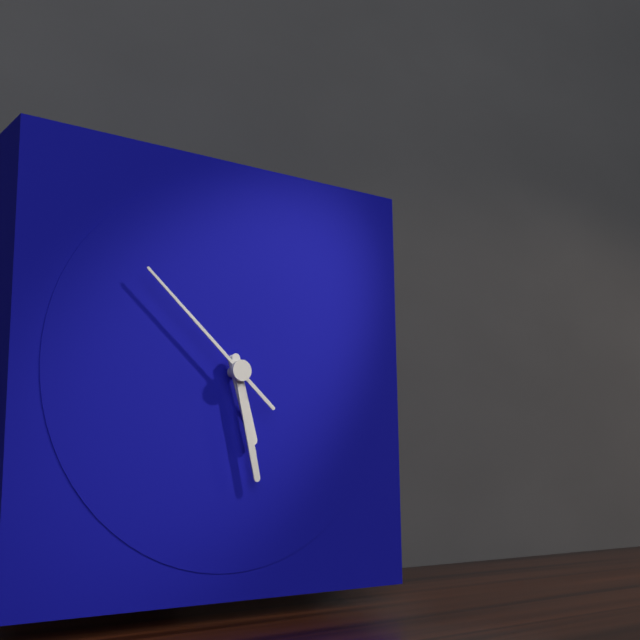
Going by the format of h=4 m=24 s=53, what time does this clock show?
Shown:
h=5 m=28 s=52
